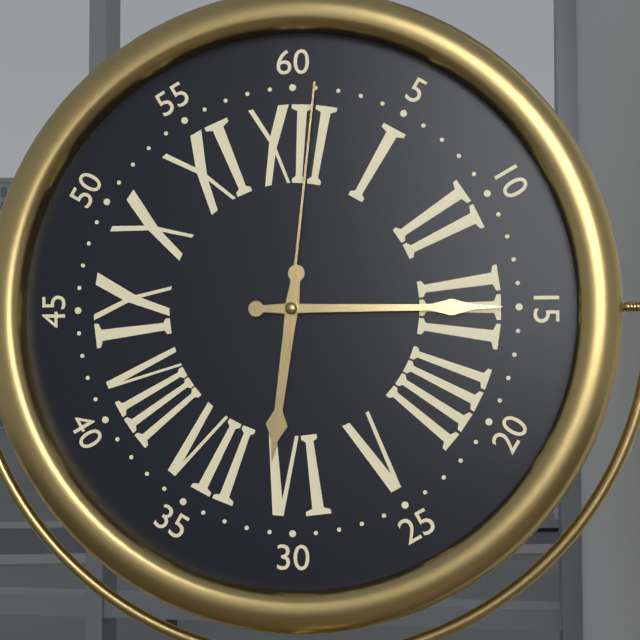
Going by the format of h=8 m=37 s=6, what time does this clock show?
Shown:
h=6 m=15 s=1
